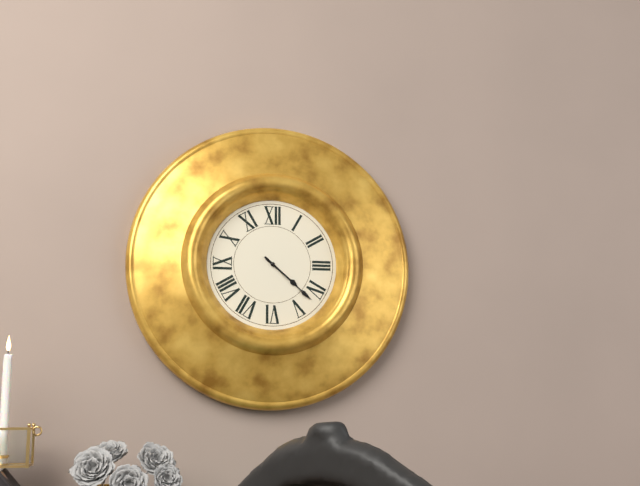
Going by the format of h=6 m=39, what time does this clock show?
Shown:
h=4 m=22
